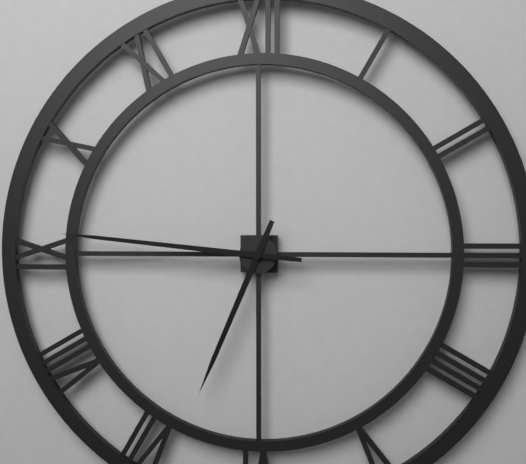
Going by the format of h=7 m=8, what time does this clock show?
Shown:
h=6 m=46
